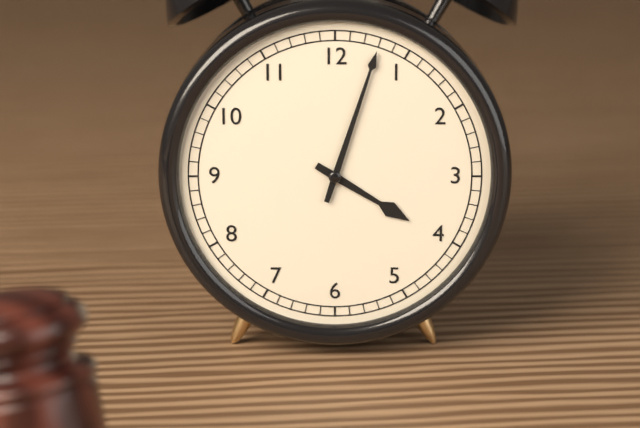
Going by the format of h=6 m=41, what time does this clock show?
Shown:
h=4 m=3
